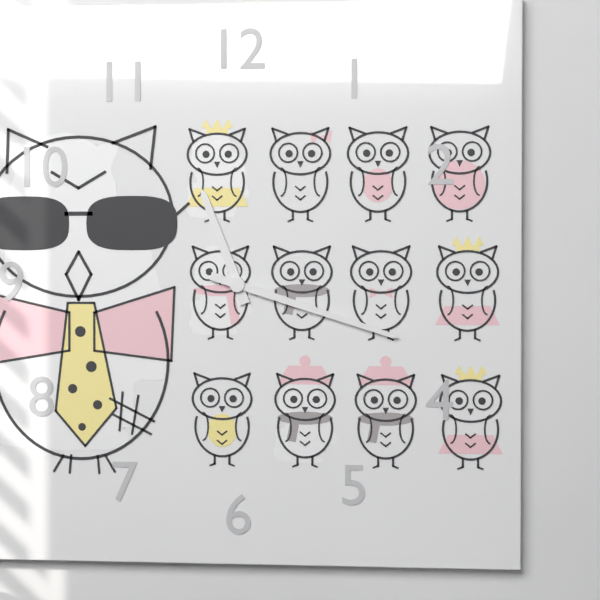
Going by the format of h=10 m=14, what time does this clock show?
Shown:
h=11 m=18
